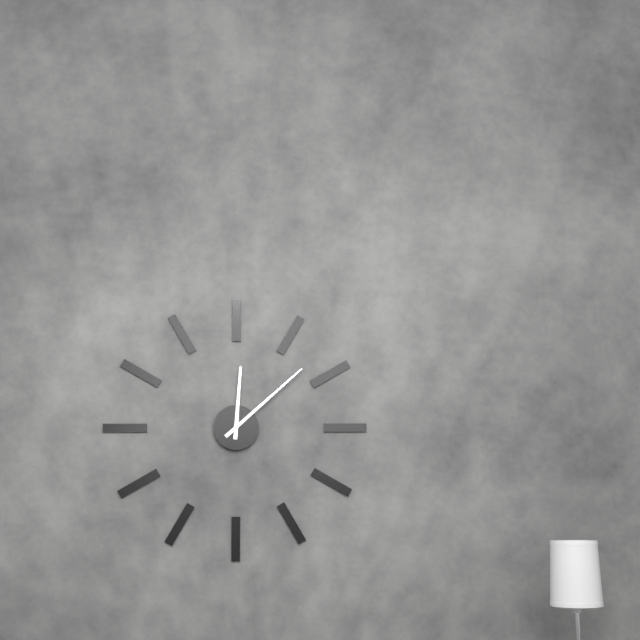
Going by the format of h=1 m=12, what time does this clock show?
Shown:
h=12 m=8
